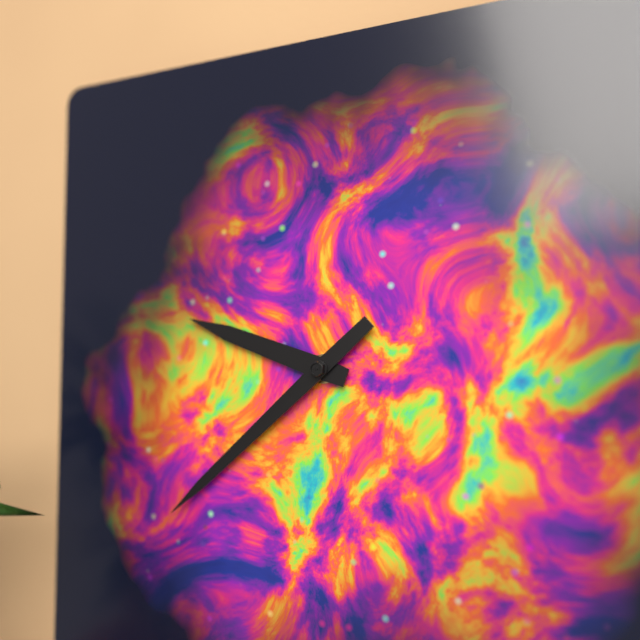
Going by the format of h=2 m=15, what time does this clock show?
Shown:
h=9 m=38
